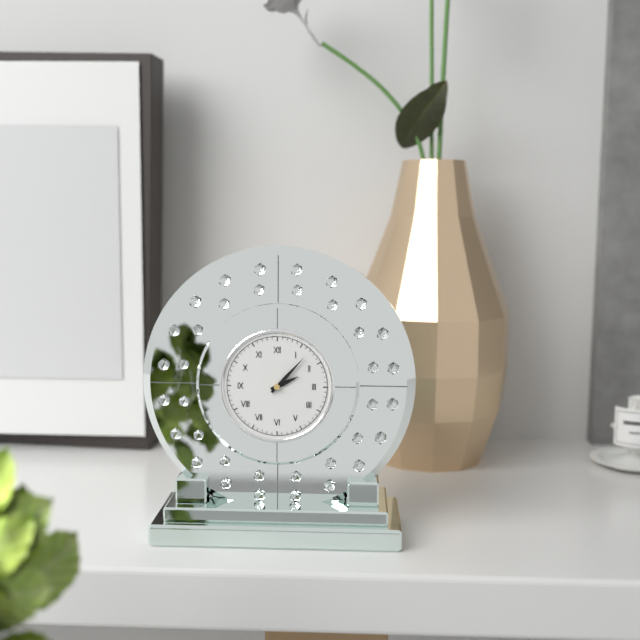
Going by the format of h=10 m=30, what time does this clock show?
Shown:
h=2 m=7
